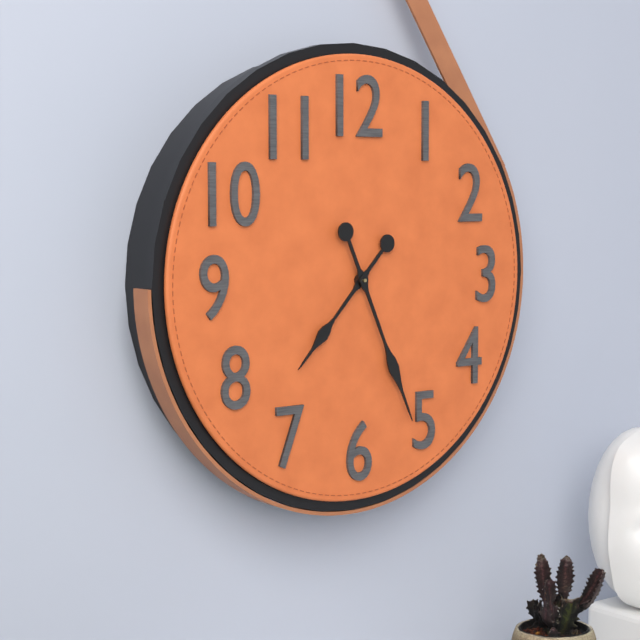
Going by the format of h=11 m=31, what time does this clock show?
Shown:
h=7 m=26
